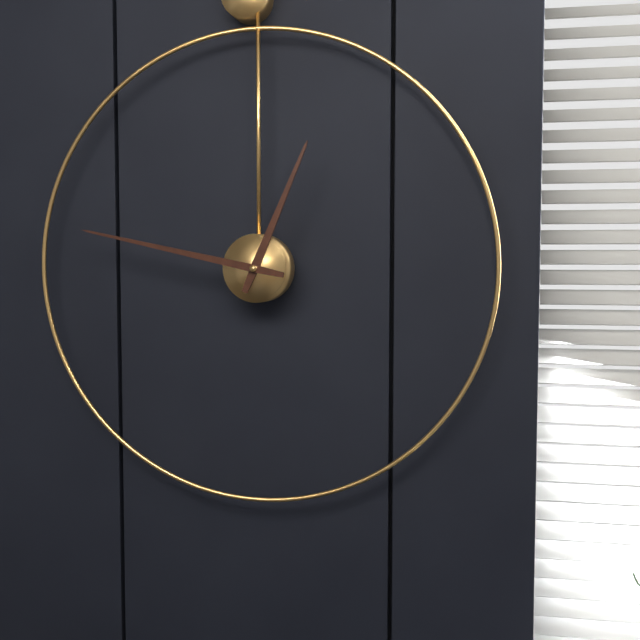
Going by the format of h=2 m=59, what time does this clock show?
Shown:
h=12 m=47
